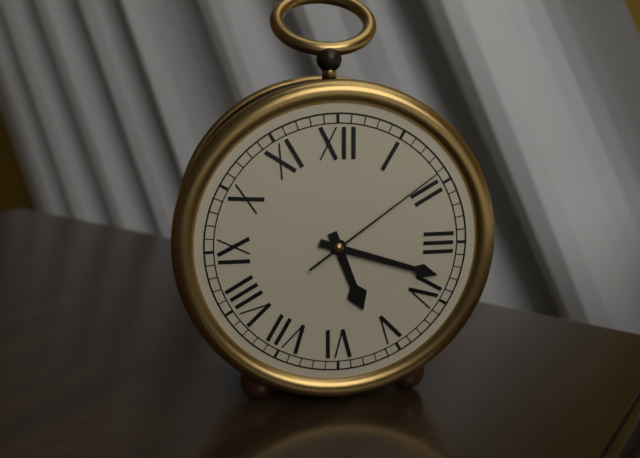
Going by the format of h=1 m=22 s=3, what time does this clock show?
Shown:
h=5 m=18 s=9
